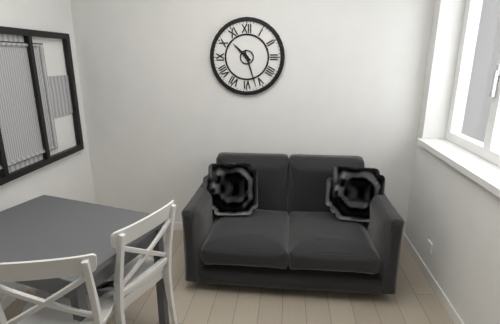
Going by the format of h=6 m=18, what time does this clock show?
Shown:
h=10 m=27
